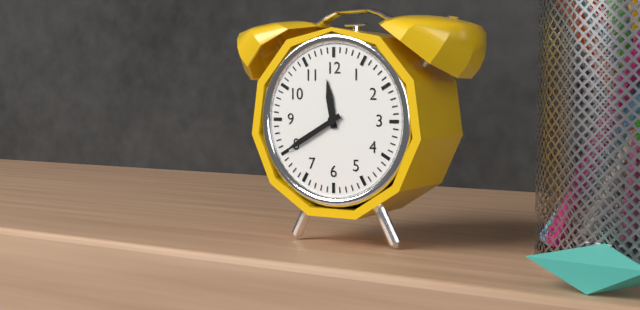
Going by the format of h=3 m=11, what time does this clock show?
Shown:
h=11 m=40
